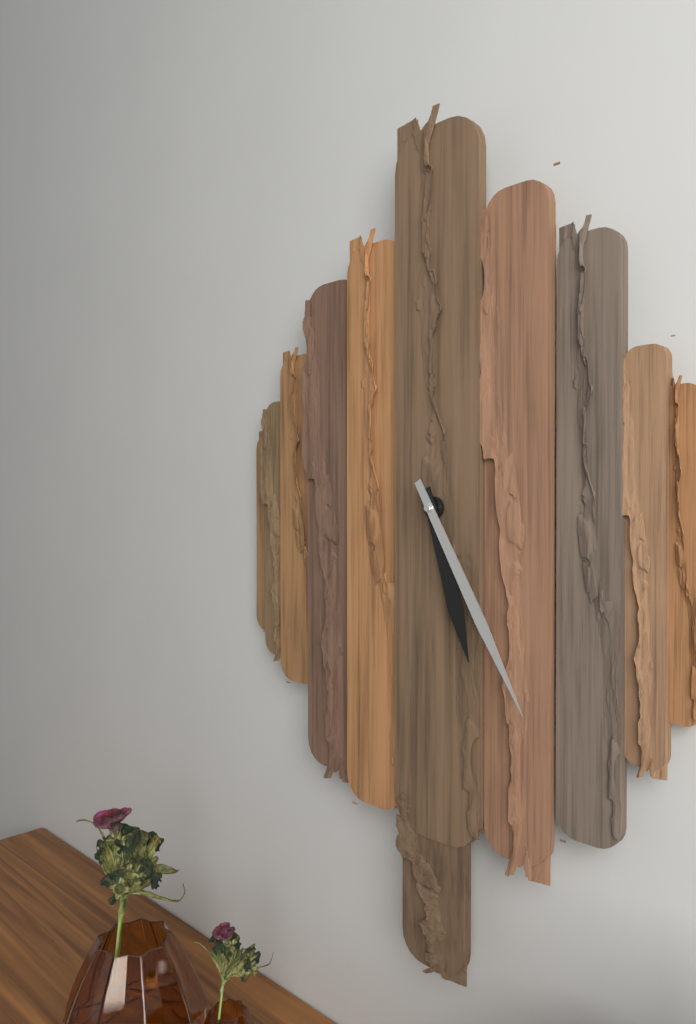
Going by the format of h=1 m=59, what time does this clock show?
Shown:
h=5 m=25
